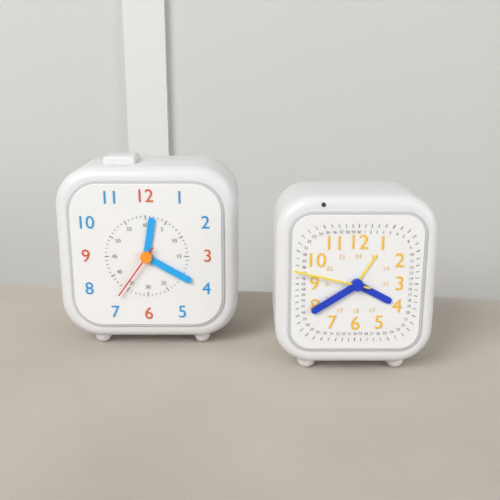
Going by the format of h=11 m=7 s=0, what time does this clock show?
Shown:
h=12 m=20 s=36
